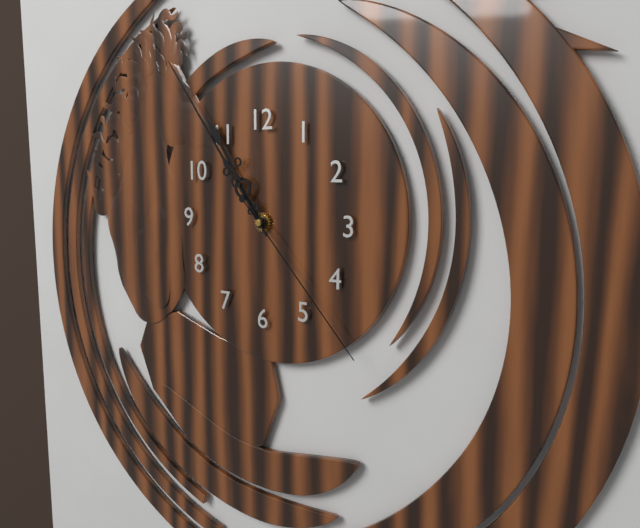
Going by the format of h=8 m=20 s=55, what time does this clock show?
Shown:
h=10 m=54 s=23
